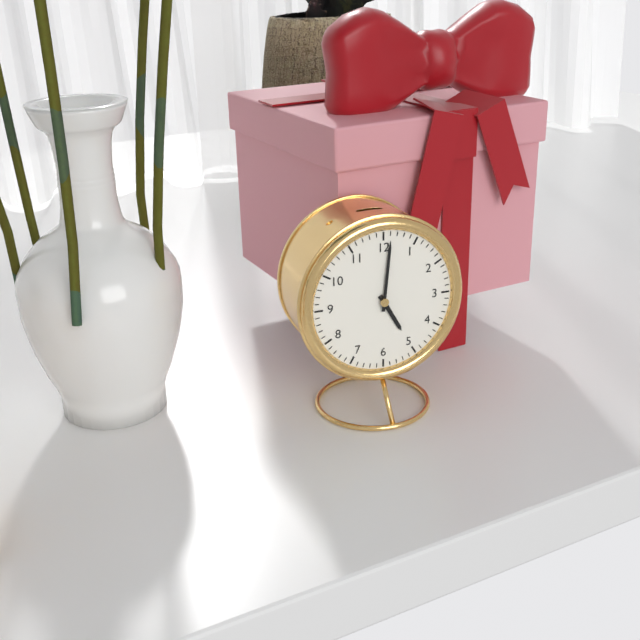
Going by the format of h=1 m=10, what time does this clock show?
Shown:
h=5 m=1
